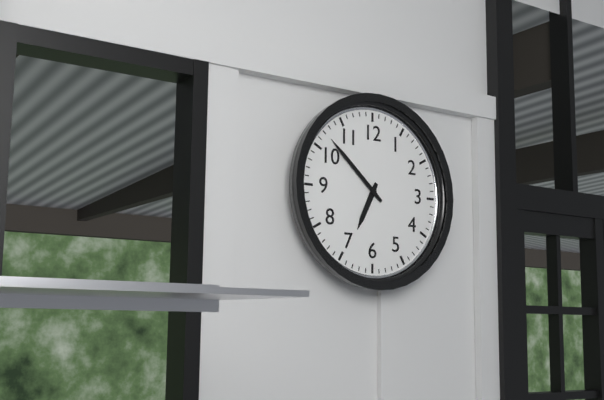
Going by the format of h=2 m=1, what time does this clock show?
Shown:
h=6 m=52
